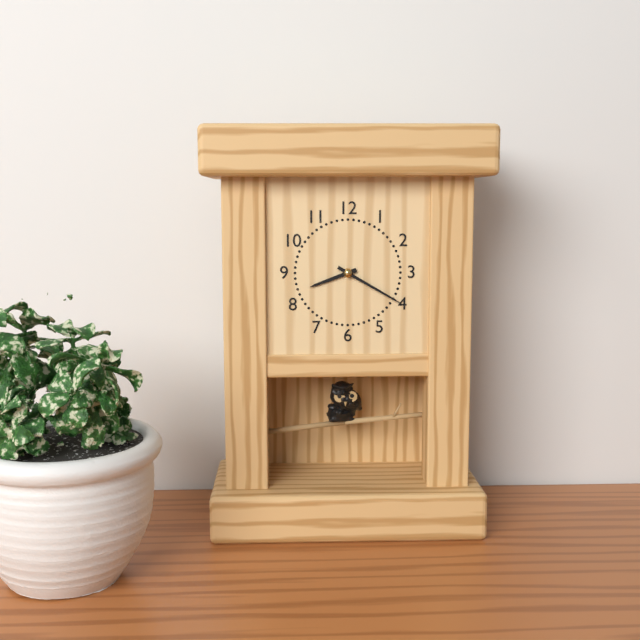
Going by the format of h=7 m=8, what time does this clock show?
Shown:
h=8 m=20
